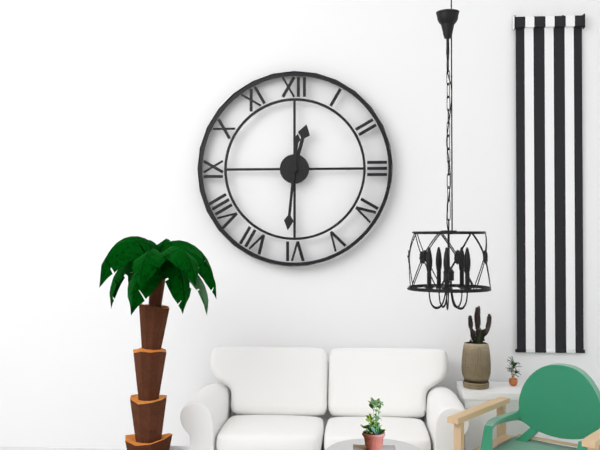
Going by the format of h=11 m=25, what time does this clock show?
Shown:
h=12 m=31
